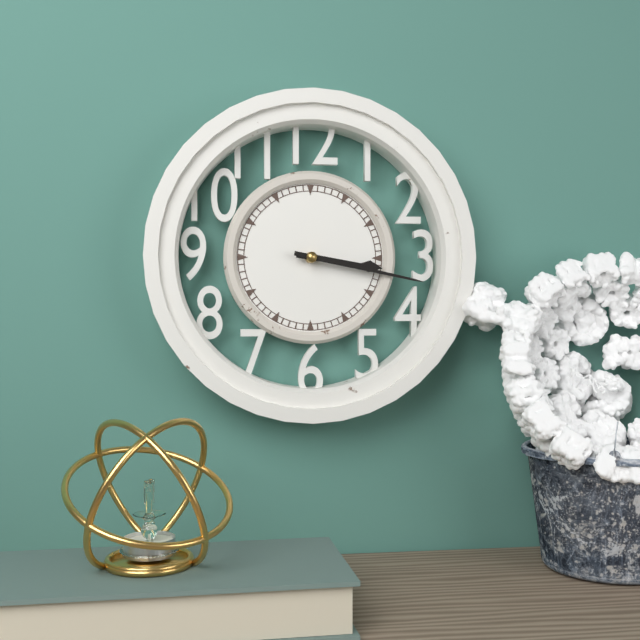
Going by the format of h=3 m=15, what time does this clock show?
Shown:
h=3 m=17
